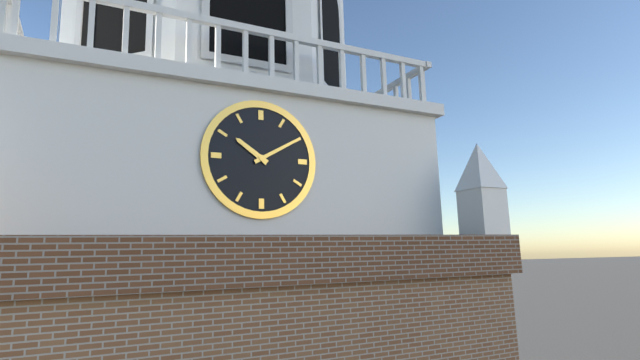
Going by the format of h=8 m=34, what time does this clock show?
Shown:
h=10 m=10
